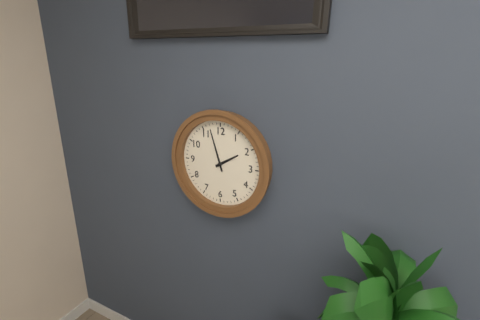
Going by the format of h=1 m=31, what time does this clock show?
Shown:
h=1 m=57
